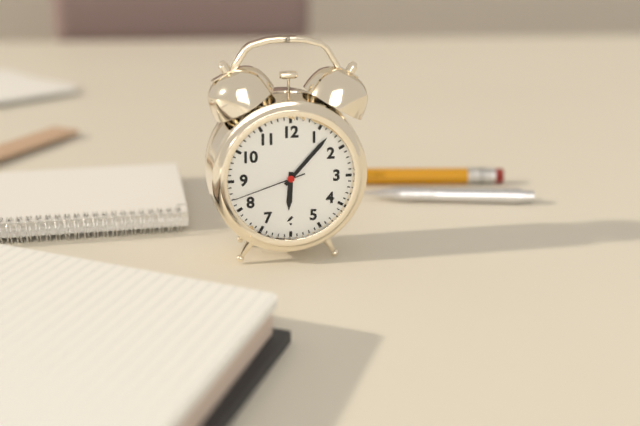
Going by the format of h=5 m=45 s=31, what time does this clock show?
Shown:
h=6 m=7 s=42
